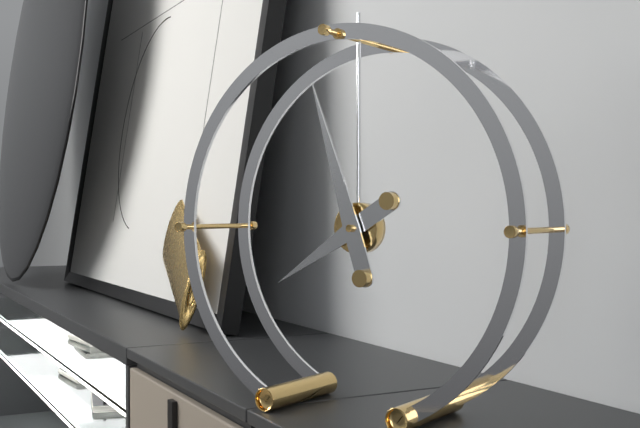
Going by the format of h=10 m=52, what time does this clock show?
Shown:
h=7 m=57
